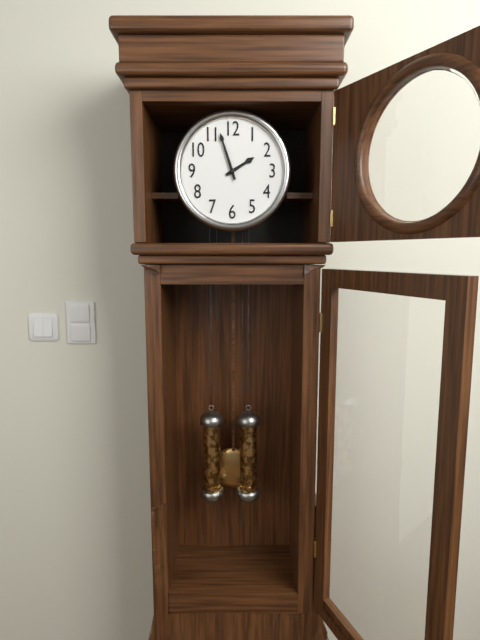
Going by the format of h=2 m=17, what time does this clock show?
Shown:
h=1 m=57
